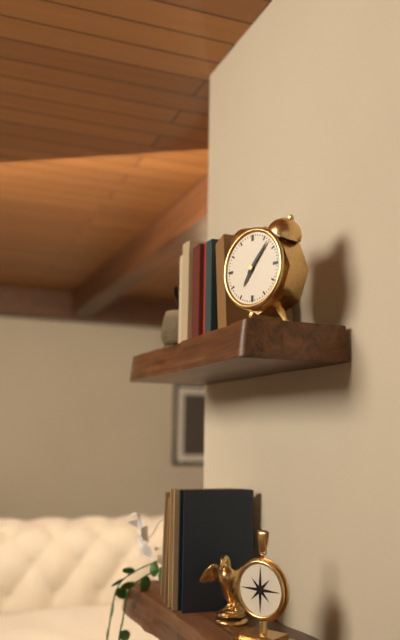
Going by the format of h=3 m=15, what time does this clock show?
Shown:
h=7 m=7
